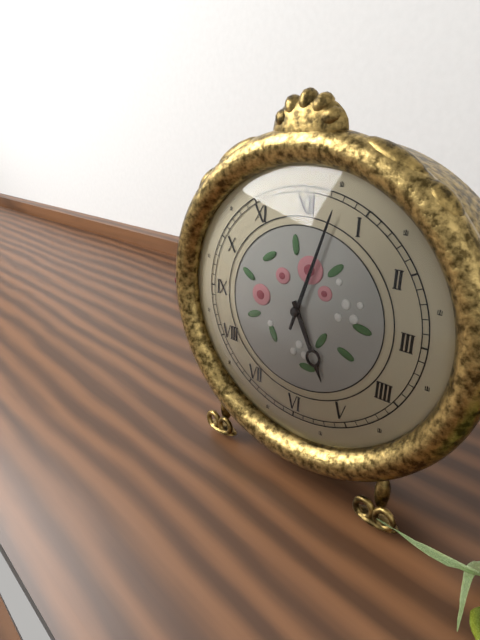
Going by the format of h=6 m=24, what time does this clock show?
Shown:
h=5 m=3
